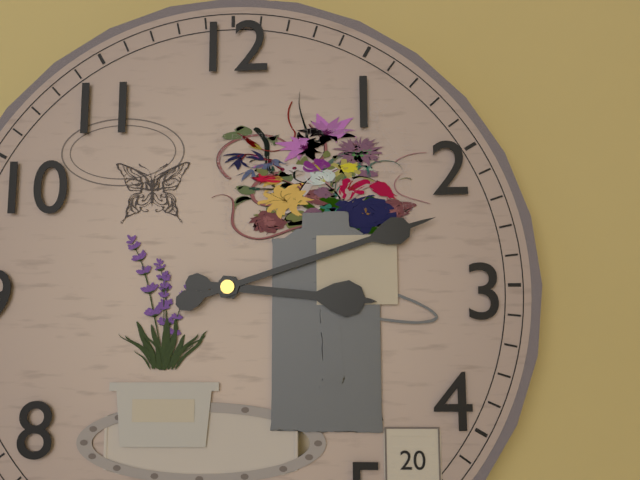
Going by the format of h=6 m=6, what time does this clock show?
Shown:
h=3 m=12
